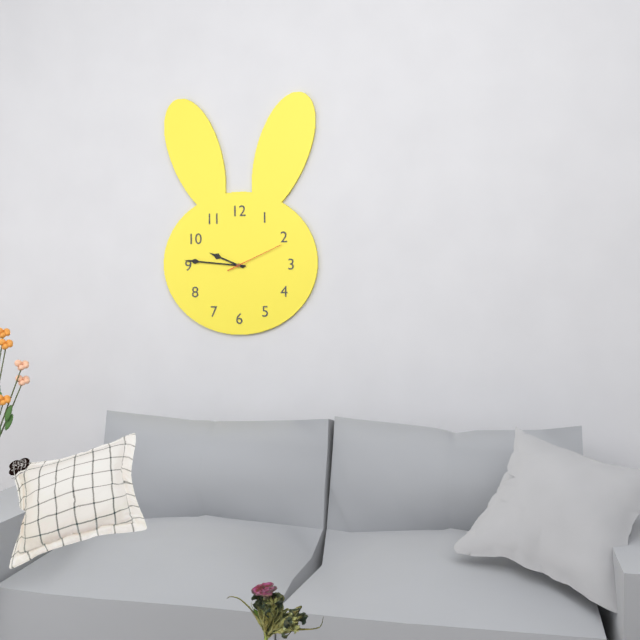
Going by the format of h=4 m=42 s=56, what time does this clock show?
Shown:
h=9 m=46 s=11
